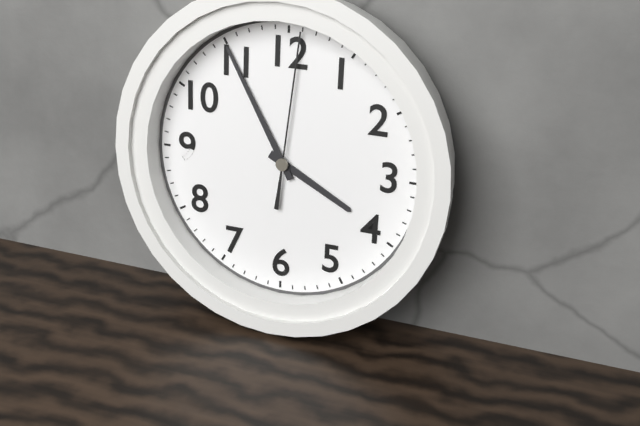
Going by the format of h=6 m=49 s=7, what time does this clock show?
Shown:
h=3 m=55 s=1
